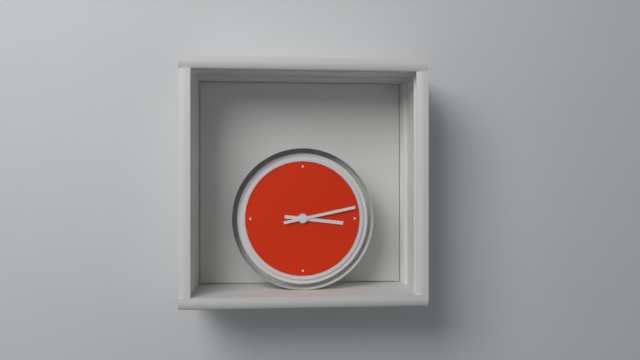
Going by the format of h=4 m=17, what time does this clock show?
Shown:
h=3 m=13
